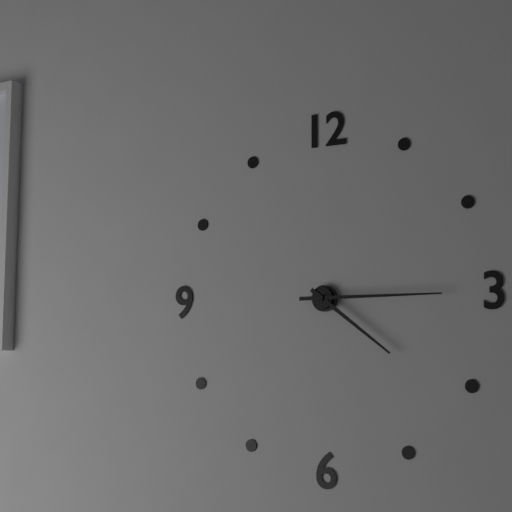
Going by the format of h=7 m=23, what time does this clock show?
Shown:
h=4 m=15
